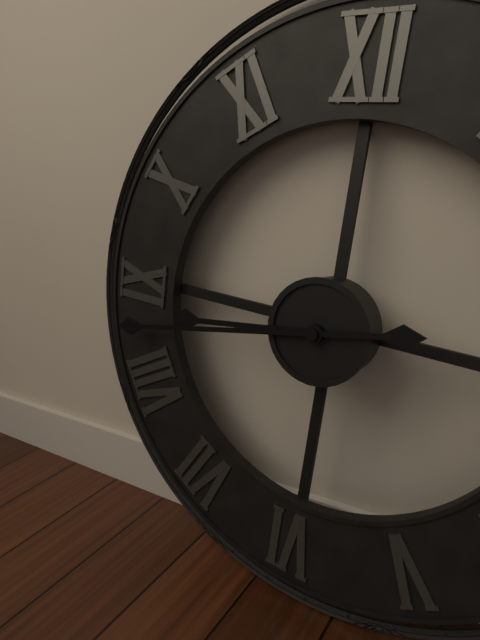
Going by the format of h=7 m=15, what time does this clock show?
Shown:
h=8 m=43
